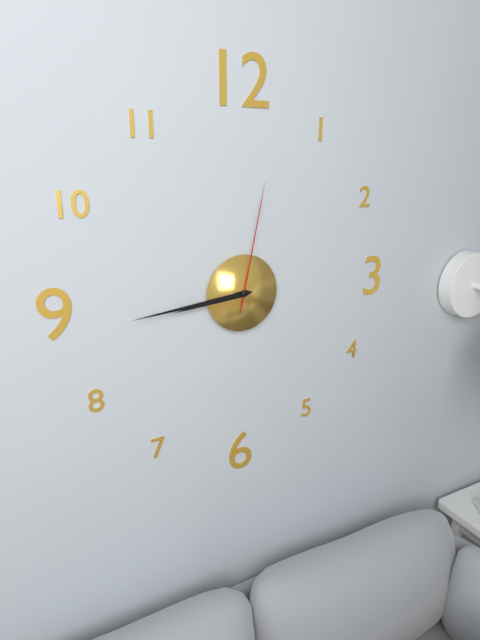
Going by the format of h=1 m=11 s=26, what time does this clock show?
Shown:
h=8 m=44 s=2
